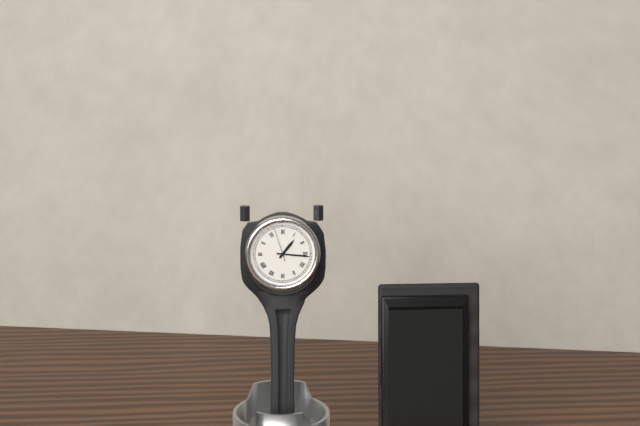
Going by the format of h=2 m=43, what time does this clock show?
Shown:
h=1 m=16
